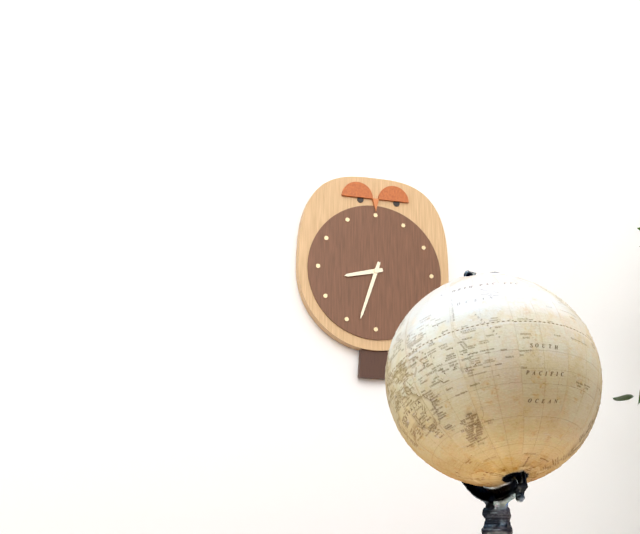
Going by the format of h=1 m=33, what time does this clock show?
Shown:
h=8 m=33
